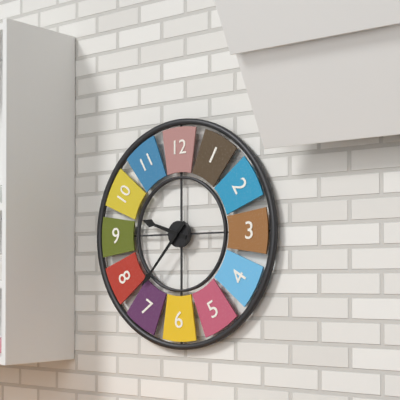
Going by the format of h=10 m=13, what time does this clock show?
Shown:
h=9 m=37
